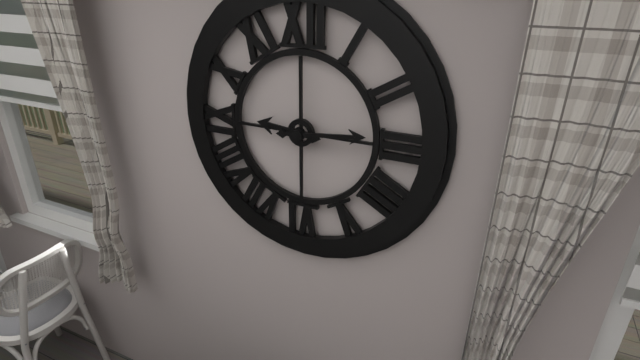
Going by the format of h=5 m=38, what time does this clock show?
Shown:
h=9 m=14
